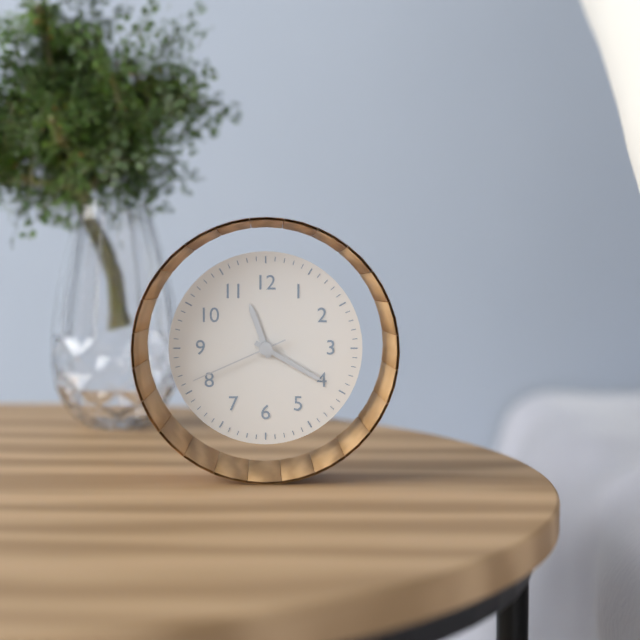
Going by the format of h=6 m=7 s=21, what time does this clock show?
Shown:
h=11 m=20 s=41
